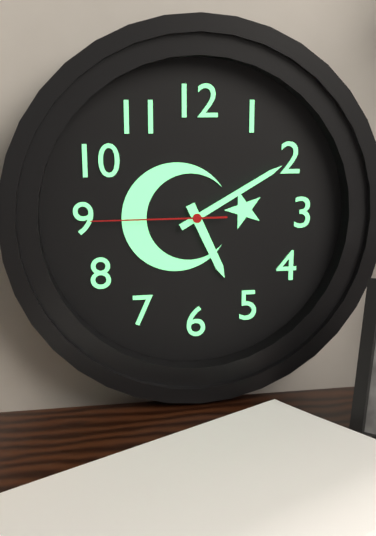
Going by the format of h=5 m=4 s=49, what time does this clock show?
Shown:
h=5 m=10 s=45
